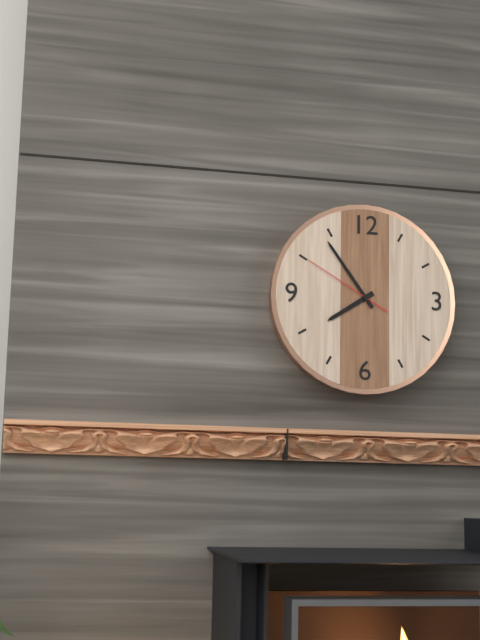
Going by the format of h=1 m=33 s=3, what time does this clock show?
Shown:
h=7 m=54 s=50
